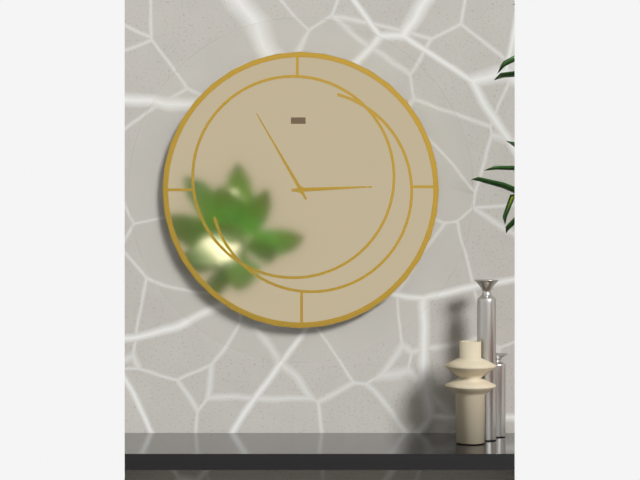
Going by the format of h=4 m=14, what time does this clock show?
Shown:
h=2 m=55
